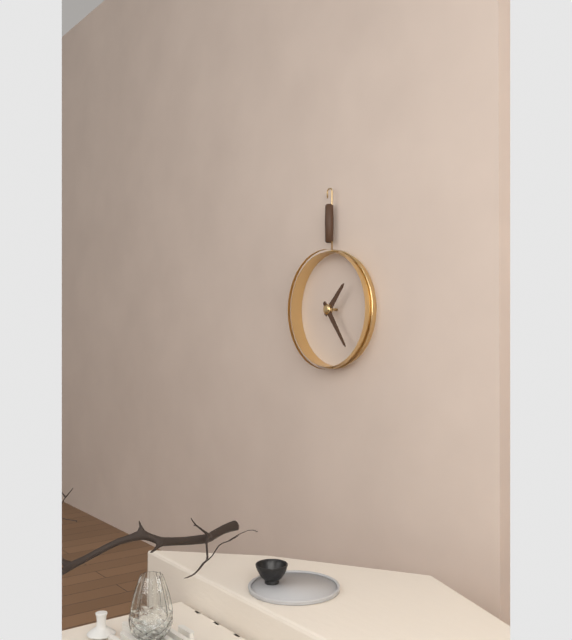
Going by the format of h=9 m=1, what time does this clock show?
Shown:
h=1 m=24
